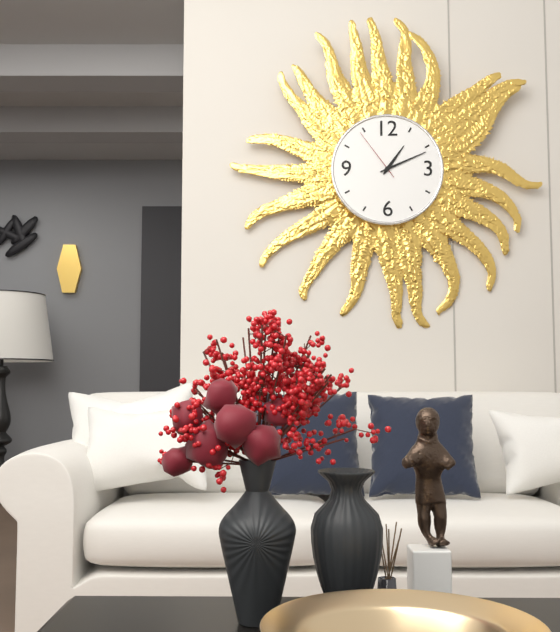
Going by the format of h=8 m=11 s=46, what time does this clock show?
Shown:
h=1 m=11 s=54
